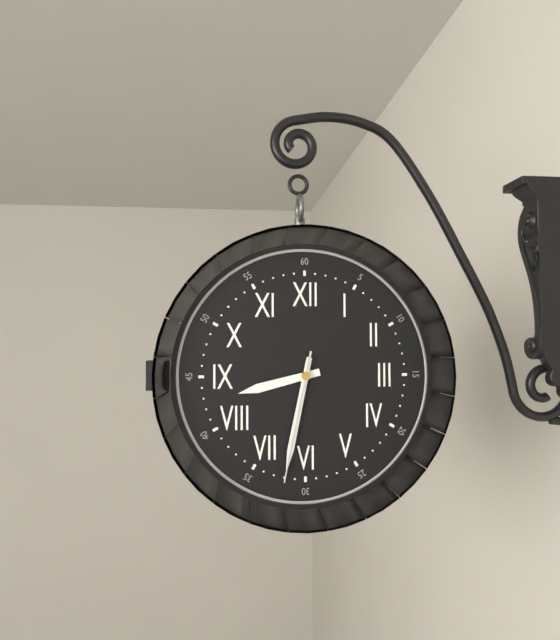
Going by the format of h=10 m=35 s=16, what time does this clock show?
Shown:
h=8 m=32 s=32
